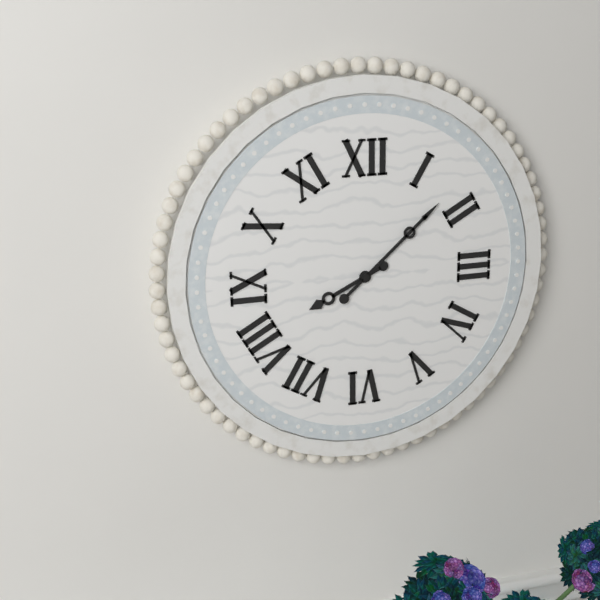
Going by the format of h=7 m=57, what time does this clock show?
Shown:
h=8 m=8
